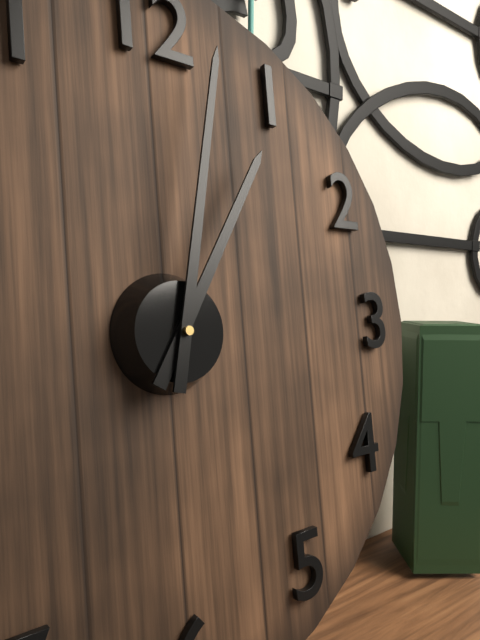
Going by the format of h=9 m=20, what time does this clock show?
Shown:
h=1 m=2
